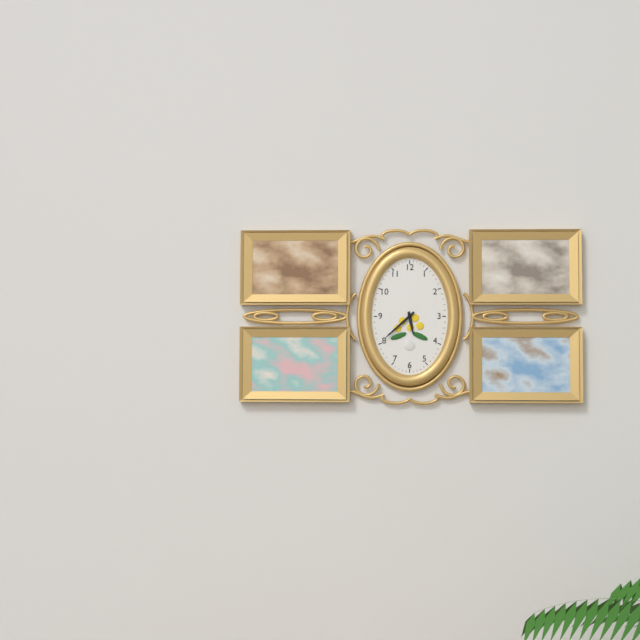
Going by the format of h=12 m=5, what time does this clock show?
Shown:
h=5 m=38
